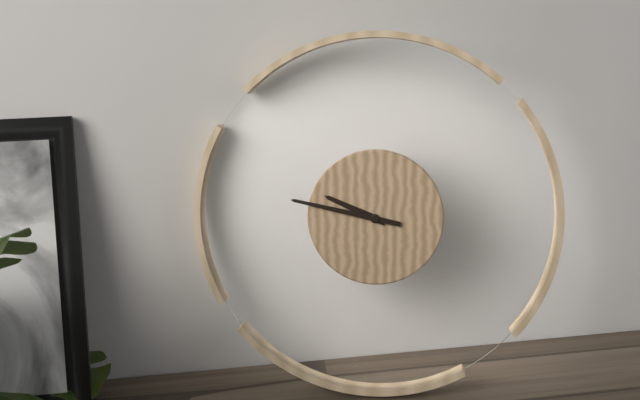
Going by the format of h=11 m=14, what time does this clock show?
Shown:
h=9 m=47
